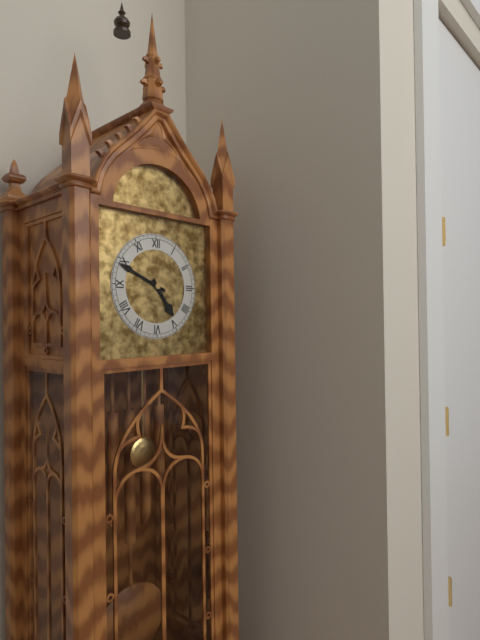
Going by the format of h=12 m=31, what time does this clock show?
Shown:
h=4 m=49
